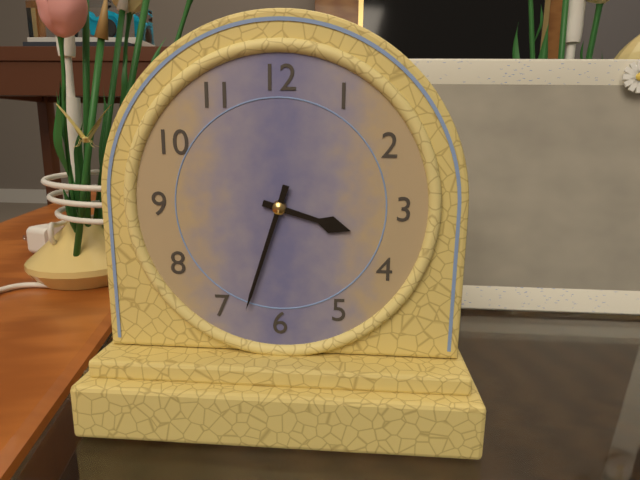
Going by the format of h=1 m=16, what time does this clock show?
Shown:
h=3 m=33
